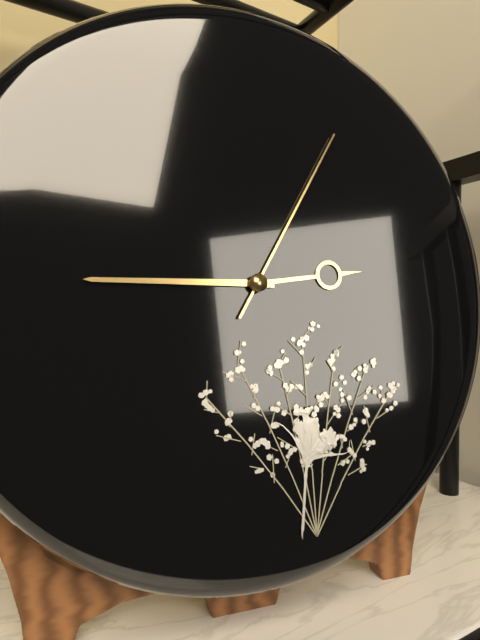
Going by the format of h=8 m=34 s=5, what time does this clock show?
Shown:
h=2 m=45 s=5
